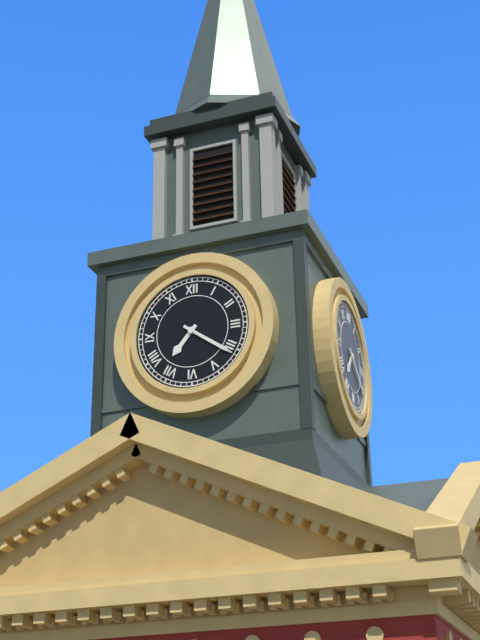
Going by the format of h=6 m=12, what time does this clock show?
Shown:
h=7 m=21
